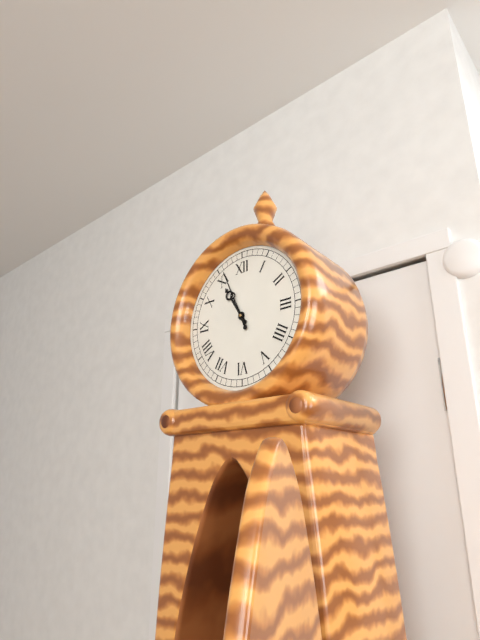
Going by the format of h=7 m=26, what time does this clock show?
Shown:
h=10 m=56
